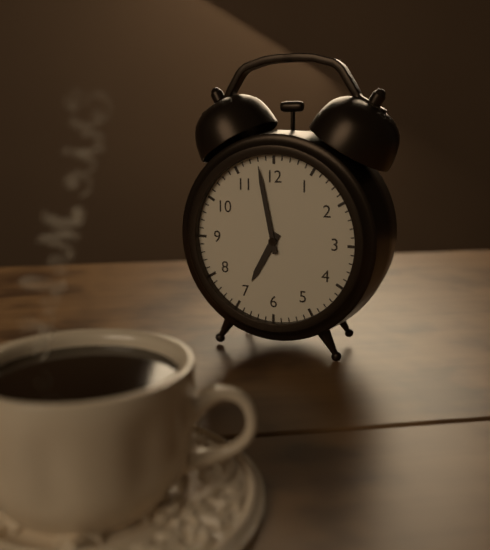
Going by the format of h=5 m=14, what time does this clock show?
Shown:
h=6 m=58
